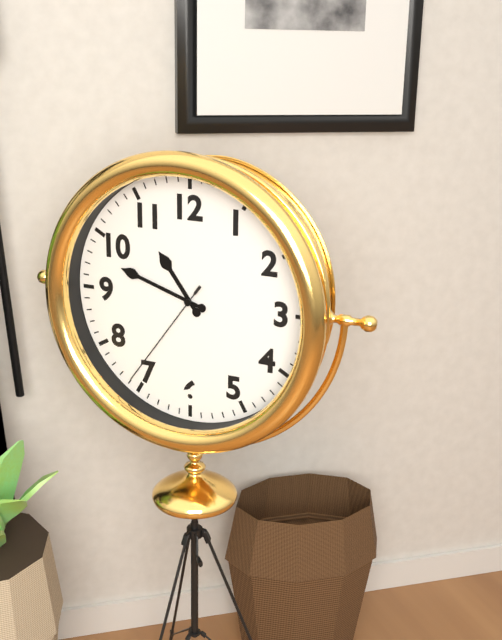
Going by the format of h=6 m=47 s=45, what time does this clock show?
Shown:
h=10 m=48 s=36
